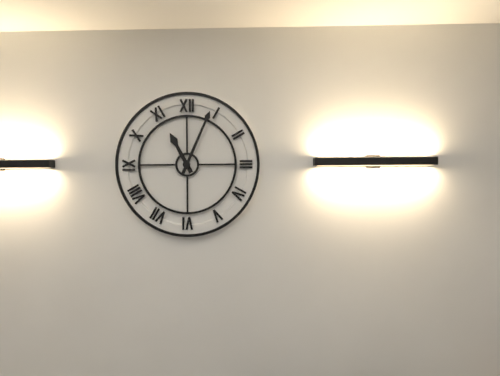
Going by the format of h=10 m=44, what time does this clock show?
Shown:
h=11 m=4
